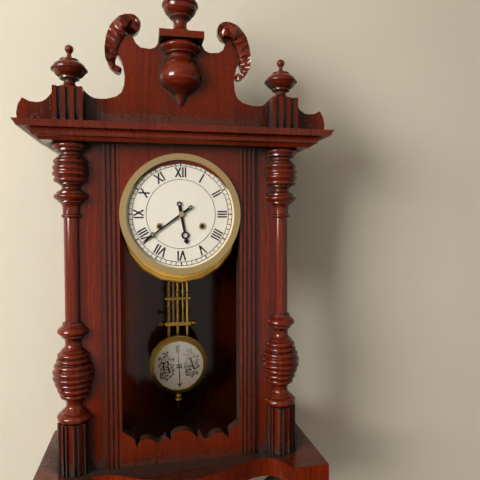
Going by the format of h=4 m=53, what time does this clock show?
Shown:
h=5 m=39
